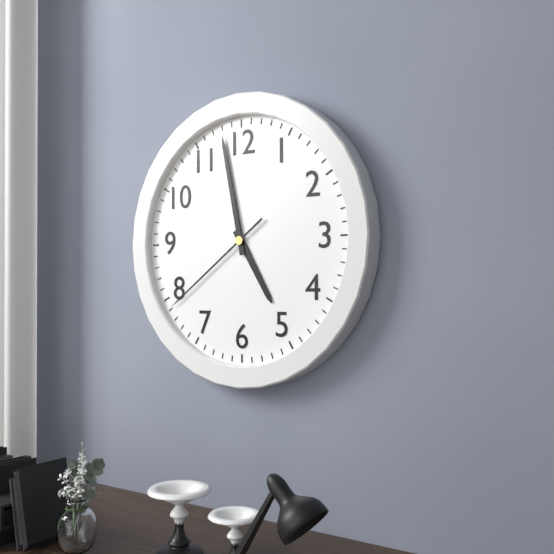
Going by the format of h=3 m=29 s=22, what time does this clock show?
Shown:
h=4 m=58 s=39
